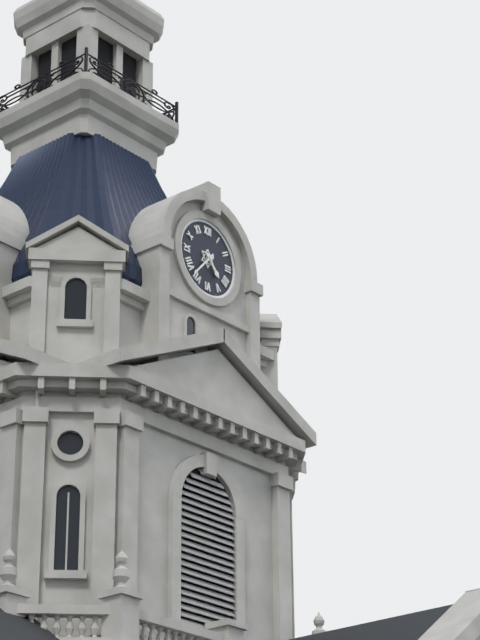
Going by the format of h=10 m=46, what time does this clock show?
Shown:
h=4 m=37
